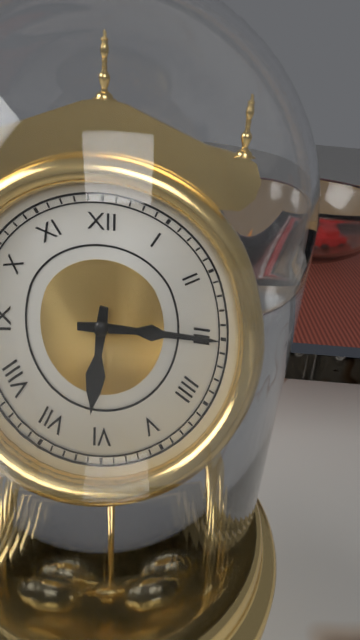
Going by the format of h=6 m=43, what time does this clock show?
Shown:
h=6 m=15
